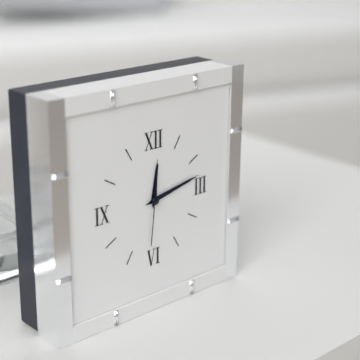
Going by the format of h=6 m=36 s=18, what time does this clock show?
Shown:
h=12 m=13 s=31
